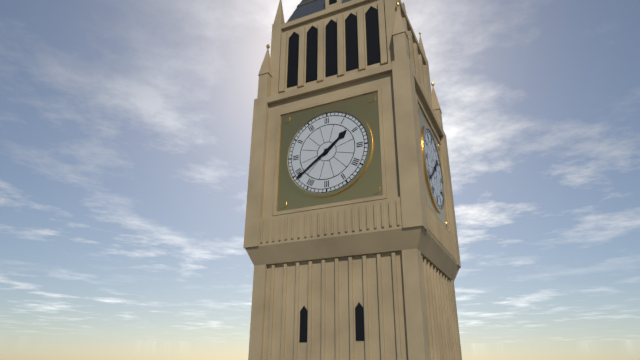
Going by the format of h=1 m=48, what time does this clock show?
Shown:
h=1 m=39
